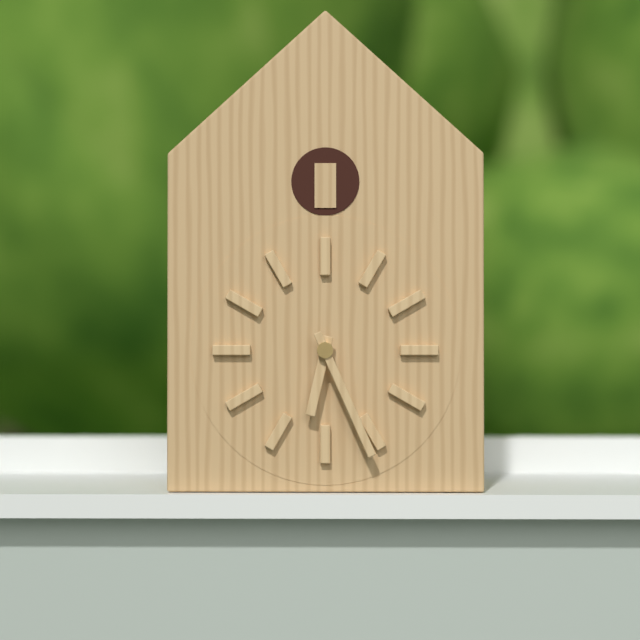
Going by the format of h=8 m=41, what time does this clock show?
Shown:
h=6 m=26
